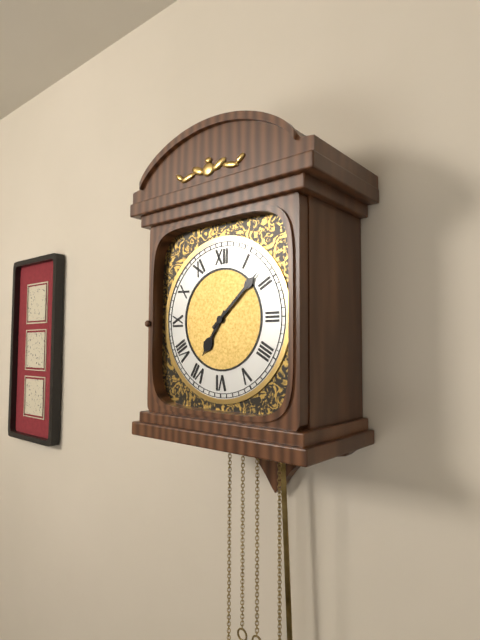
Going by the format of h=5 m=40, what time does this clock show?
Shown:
h=7 m=8
